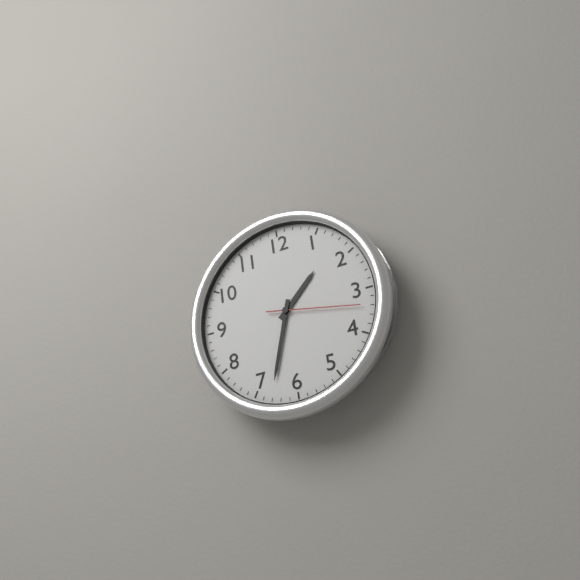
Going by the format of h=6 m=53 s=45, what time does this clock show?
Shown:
h=1 m=33 s=17
